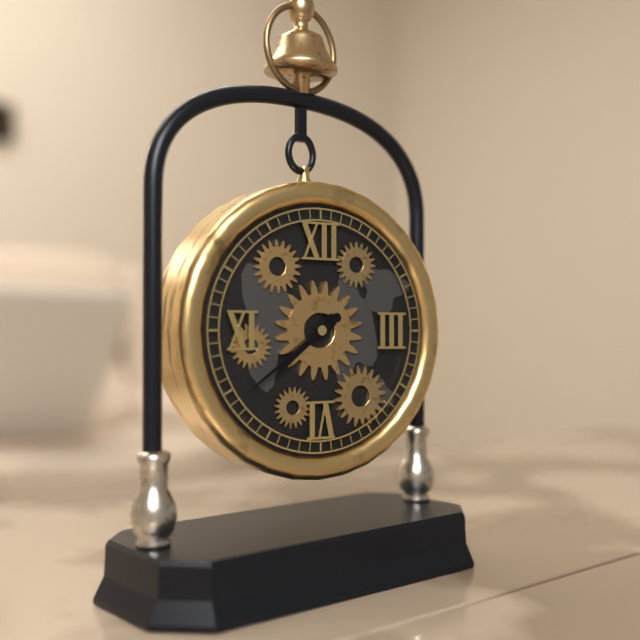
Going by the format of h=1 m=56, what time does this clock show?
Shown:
h=7 m=39
